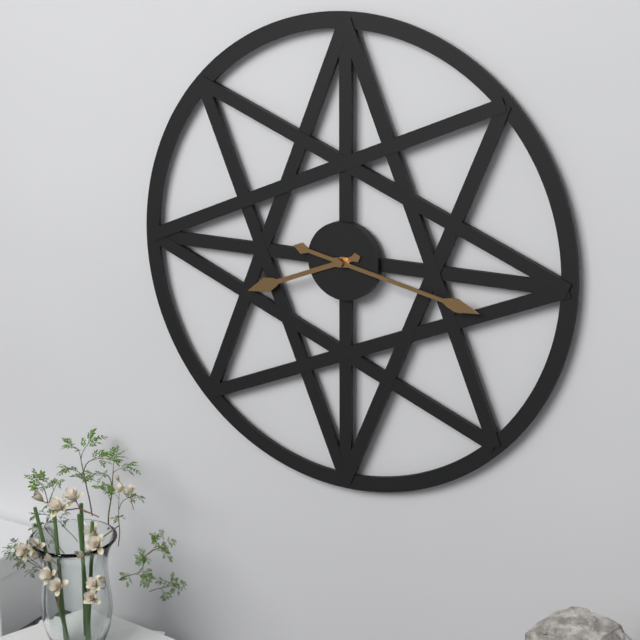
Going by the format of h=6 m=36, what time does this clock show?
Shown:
h=8 m=17
